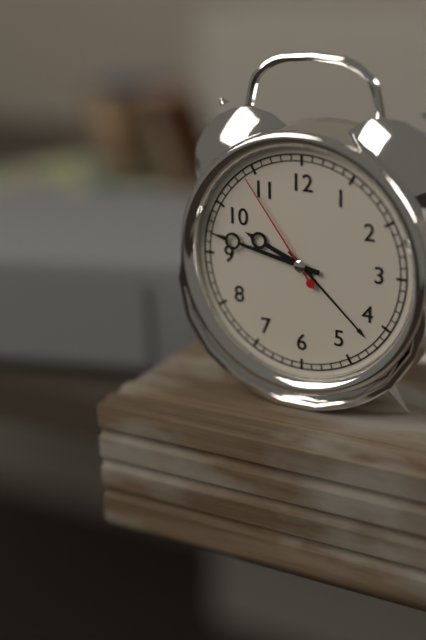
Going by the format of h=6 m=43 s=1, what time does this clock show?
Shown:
h=9 m=47 s=54
